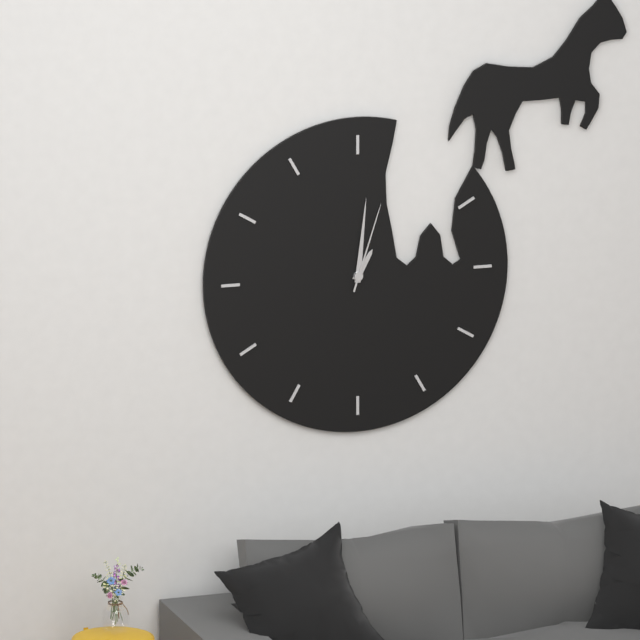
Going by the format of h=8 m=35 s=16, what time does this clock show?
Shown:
h=1 m=1 s=3
